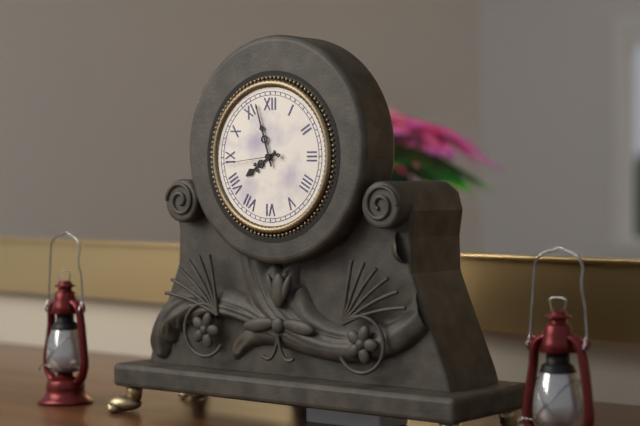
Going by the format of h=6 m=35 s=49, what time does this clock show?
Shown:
h=7 m=57 s=44
